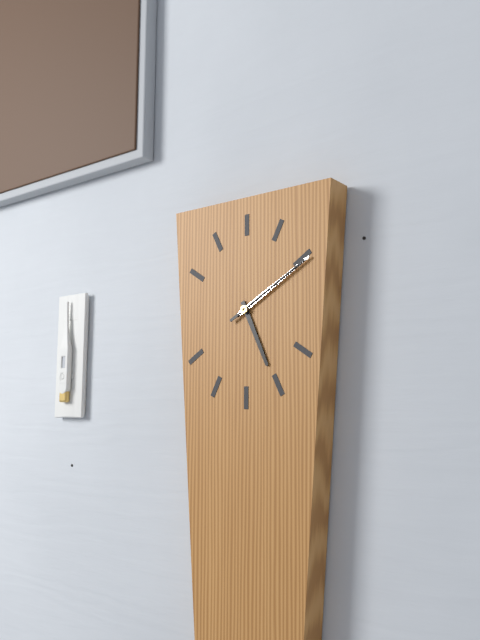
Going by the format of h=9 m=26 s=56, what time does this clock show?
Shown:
h=5 m=10 s=10
